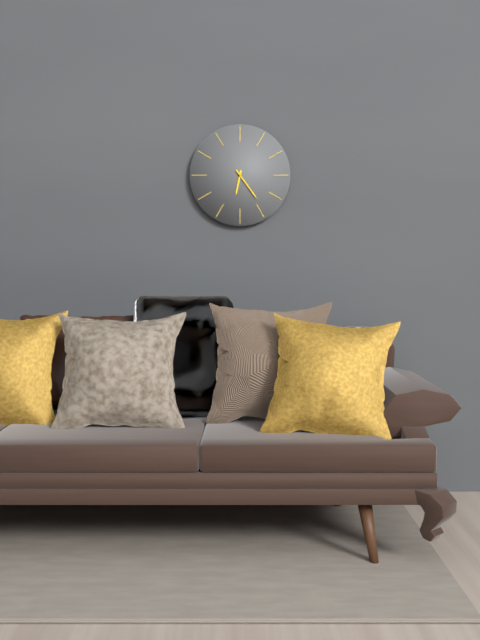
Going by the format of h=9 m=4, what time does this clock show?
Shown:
h=6 m=24
